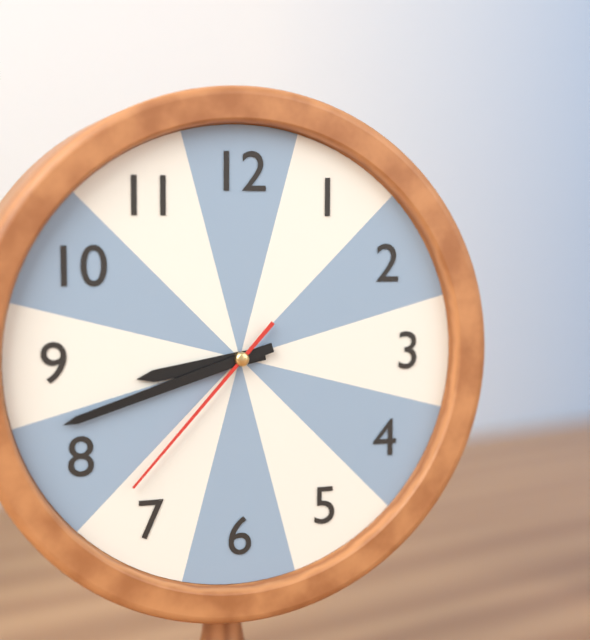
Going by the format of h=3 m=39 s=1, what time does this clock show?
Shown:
h=8 m=42 s=37
